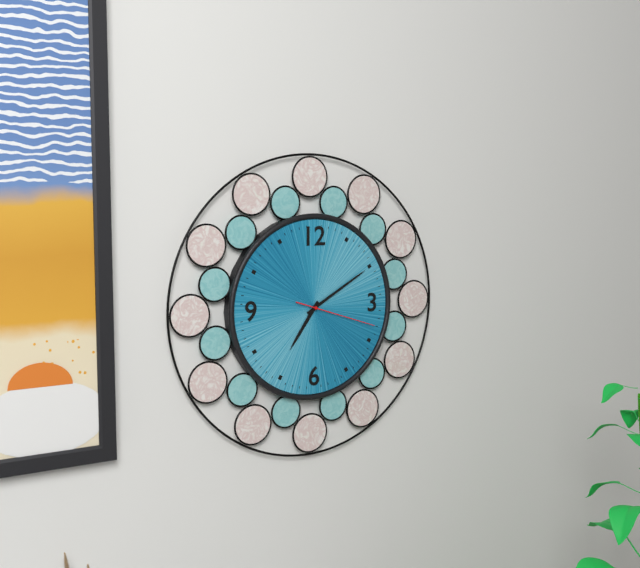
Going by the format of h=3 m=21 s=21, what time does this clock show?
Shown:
h=7 m=10 s=18
